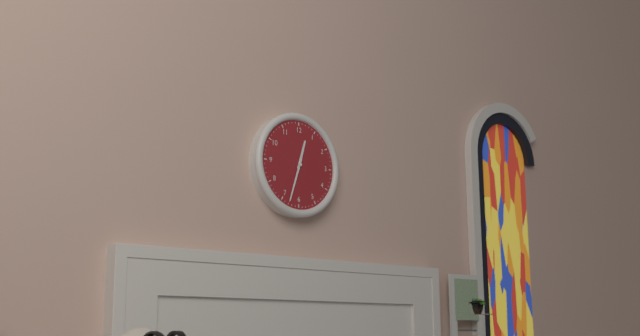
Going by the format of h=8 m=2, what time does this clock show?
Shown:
h=12 m=33
